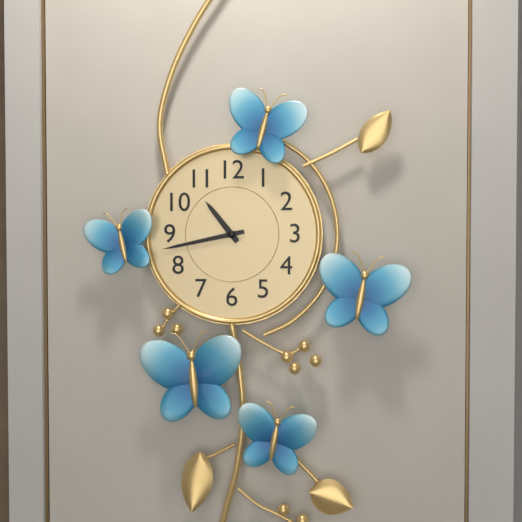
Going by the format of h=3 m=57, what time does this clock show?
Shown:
h=10 m=43
